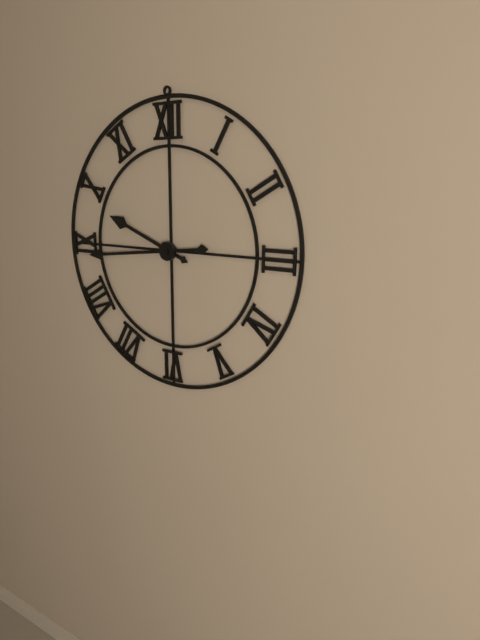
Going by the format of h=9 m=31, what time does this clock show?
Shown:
h=9 m=44
